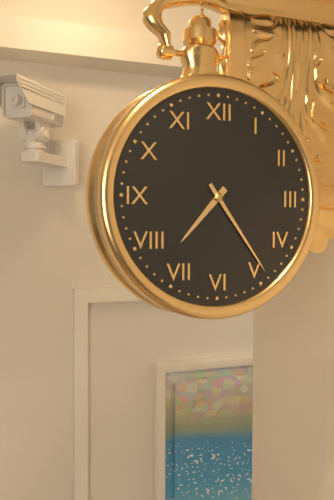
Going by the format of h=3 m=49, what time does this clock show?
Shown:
h=7 m=24
